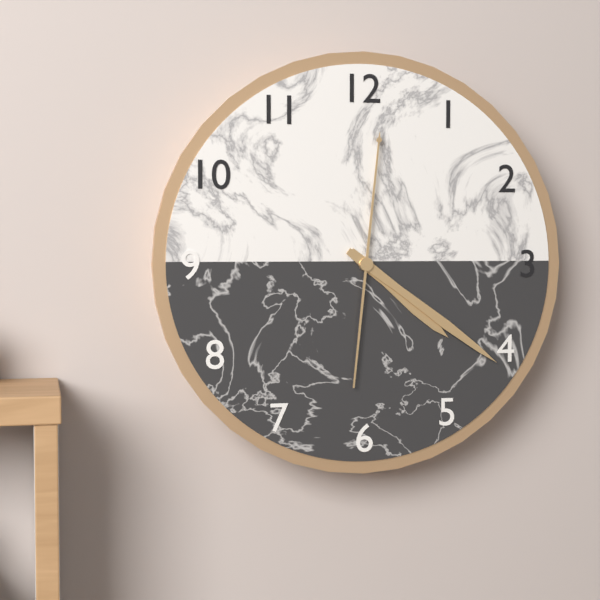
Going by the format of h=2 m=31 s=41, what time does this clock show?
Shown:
h=4 m=21 s=1
